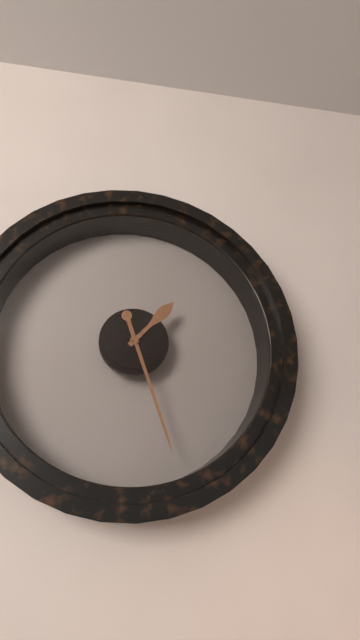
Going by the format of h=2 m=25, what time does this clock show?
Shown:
h=1 m=27
